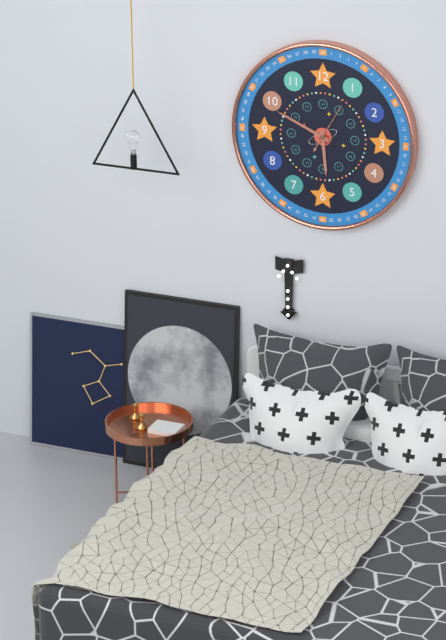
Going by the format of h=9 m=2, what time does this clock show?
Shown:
h=5 m=49
